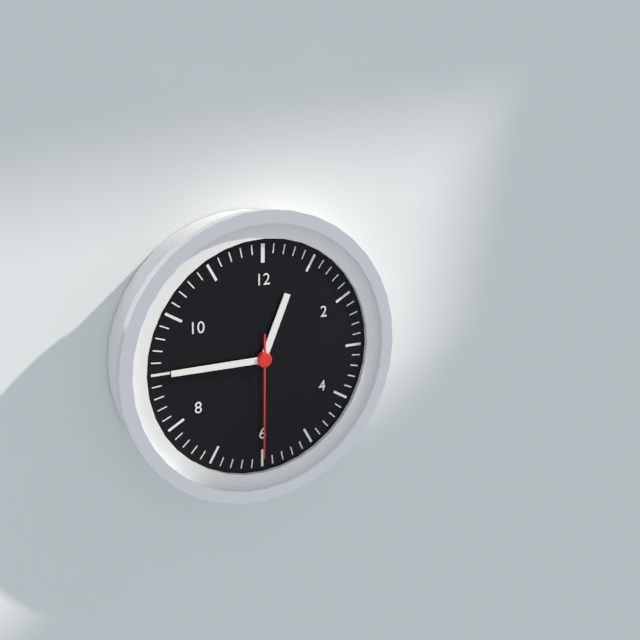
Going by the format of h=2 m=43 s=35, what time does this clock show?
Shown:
h=12 m=45 s=30
